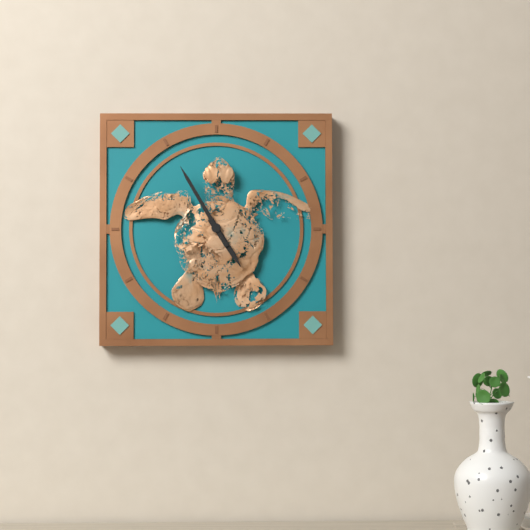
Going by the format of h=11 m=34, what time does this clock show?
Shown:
h=4 m=55
